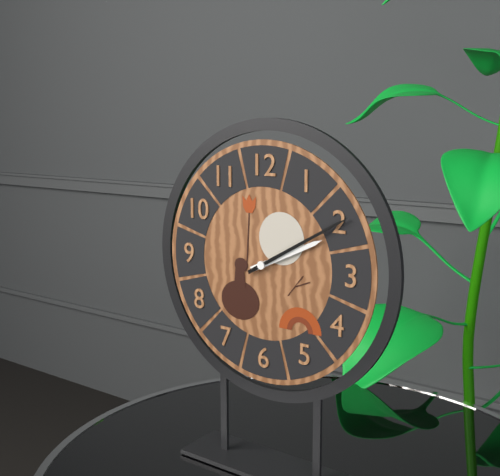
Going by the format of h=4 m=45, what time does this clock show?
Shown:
h=2 m=10
